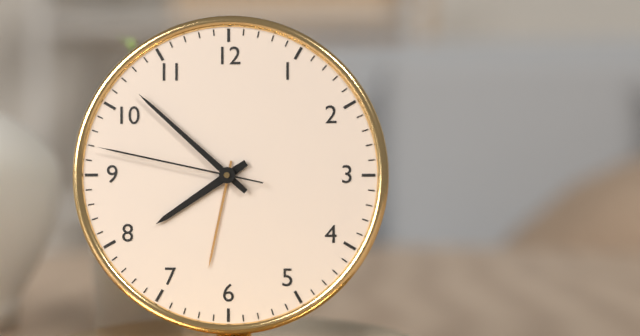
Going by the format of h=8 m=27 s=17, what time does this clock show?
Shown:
h=7 m=52 s=47
